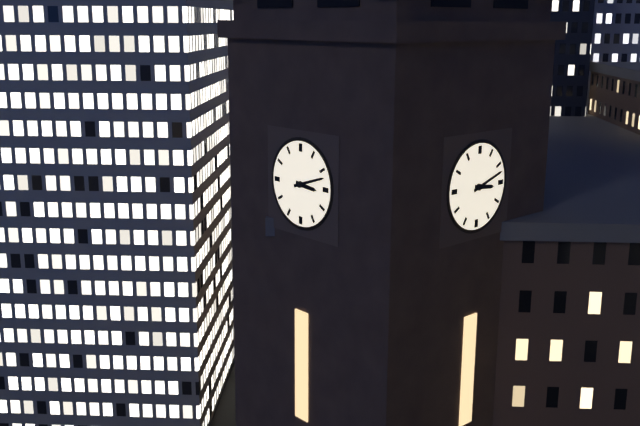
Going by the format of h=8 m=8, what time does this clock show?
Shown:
h=3 m=12
